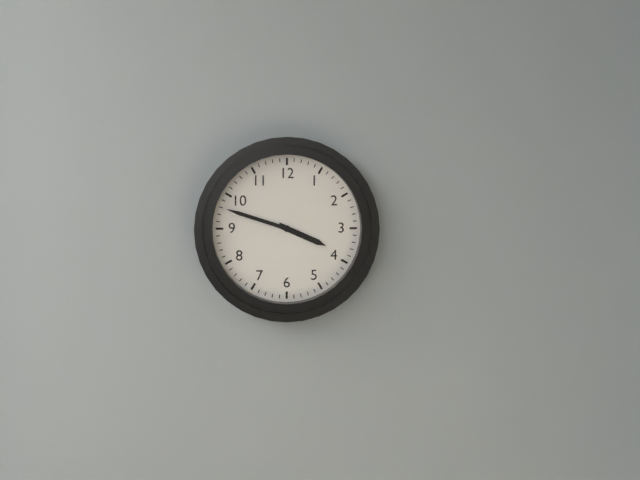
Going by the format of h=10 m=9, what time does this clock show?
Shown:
h=3 m=48
